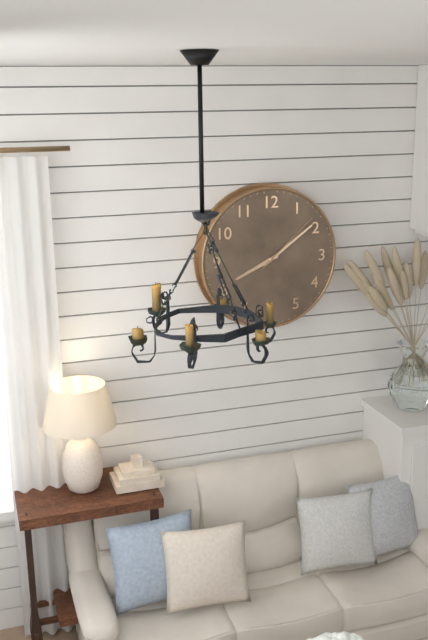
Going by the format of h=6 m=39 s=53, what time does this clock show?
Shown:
h=8 m=9 s=8
